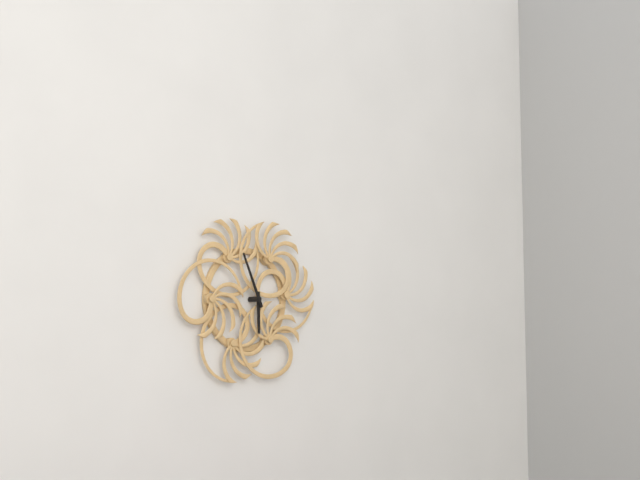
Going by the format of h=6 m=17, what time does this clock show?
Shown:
h=5 m=56
